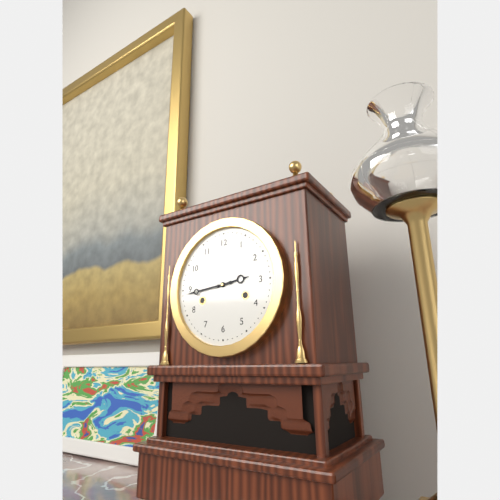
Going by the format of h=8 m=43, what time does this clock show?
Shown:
h=2 m=44
